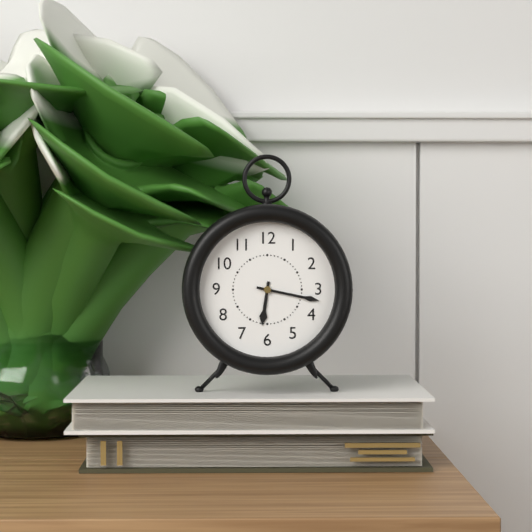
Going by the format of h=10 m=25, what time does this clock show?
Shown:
h=6 m=17
